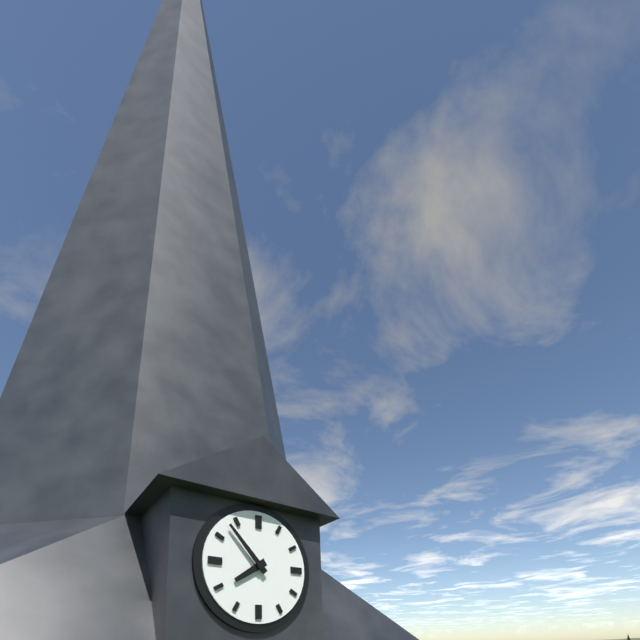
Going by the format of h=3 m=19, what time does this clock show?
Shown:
h=7 m=53
